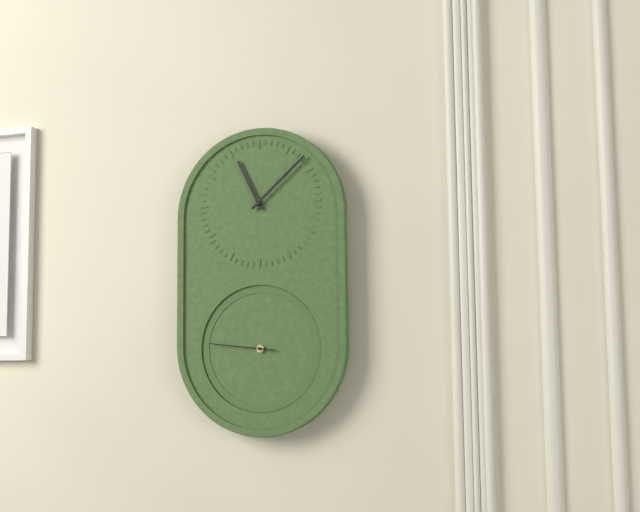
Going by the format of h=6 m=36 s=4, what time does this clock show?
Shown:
h=11 m=8 s=46
